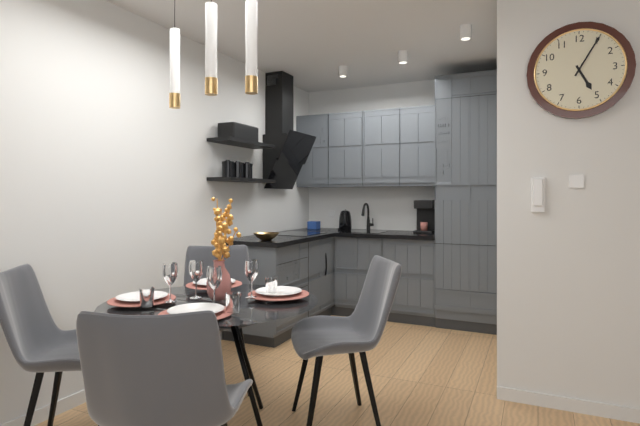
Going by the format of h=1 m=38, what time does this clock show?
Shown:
h=5 m=5
